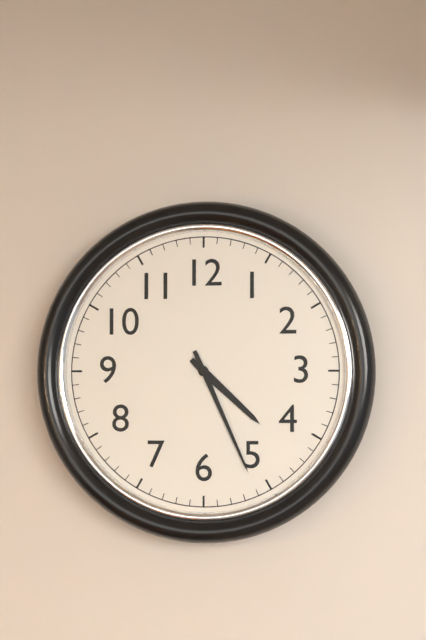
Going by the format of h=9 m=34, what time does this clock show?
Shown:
h=4 m=26
